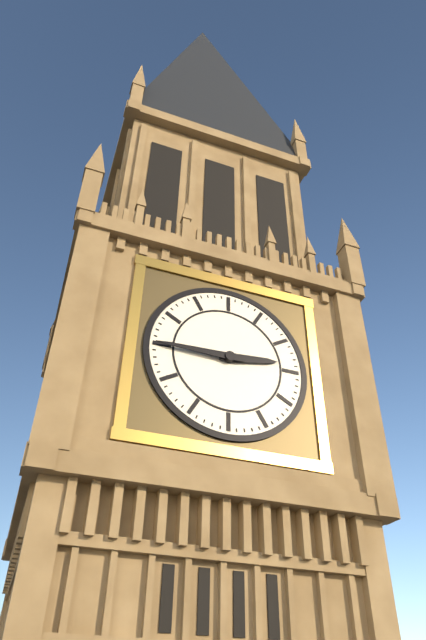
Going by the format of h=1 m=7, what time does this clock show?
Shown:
h=2 m=45
